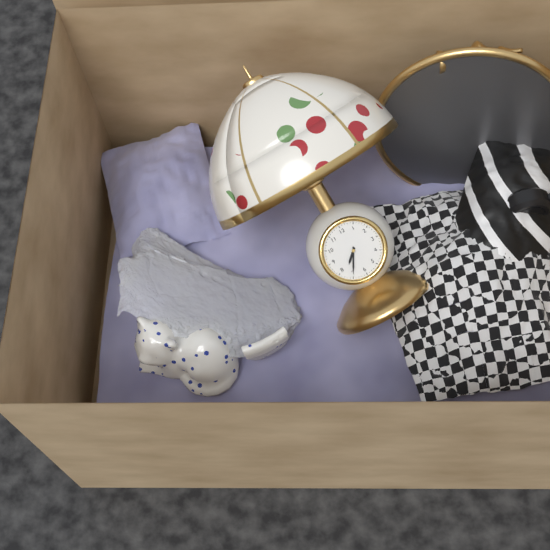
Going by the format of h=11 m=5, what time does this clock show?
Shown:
h=7 m=35
